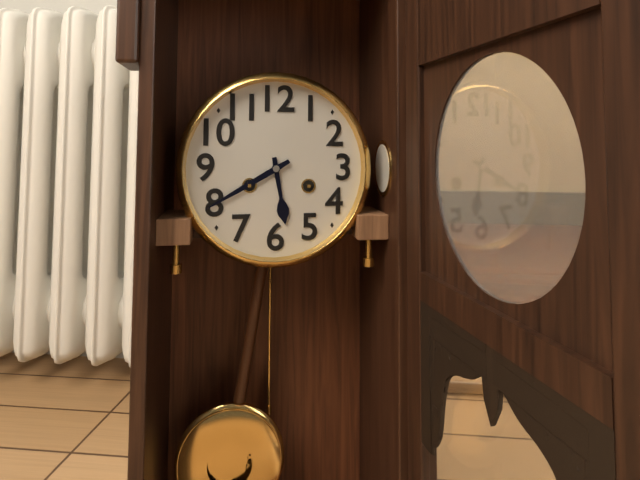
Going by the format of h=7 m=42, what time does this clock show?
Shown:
h=5 m=40
